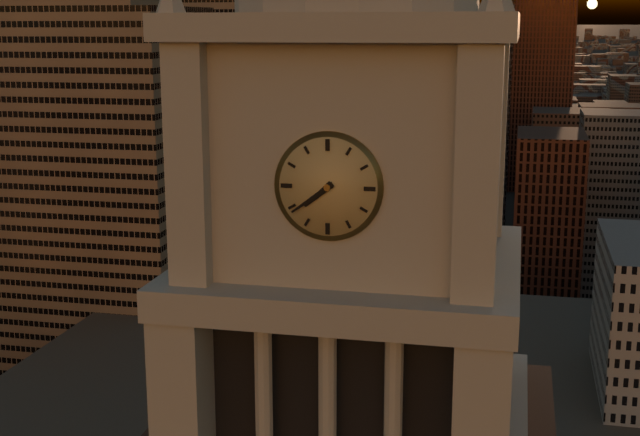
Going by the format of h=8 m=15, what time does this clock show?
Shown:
h=7 m=39
